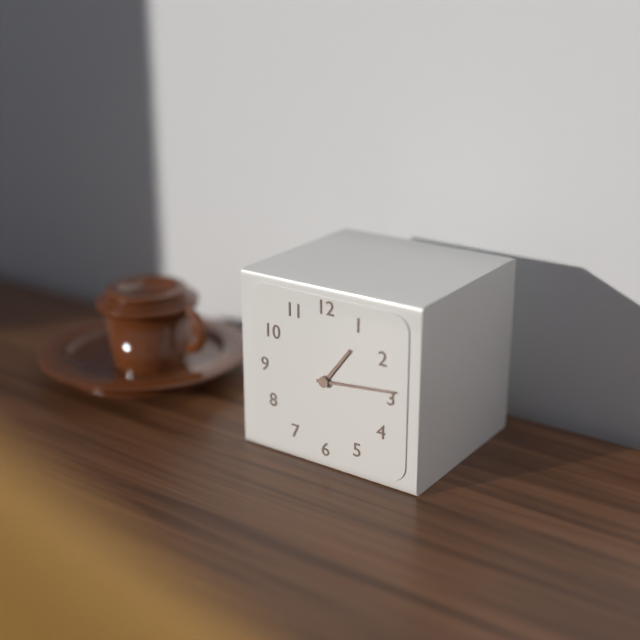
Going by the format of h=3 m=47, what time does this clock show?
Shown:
h=1 m=14
